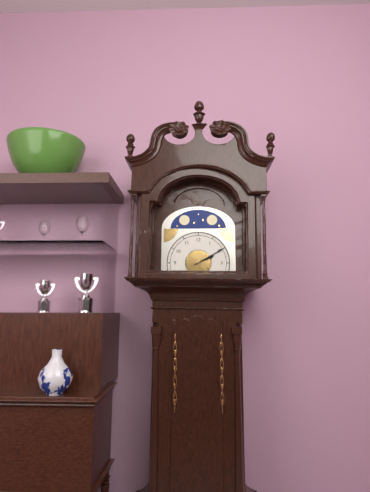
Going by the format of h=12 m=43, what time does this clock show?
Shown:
h=2 m=10
